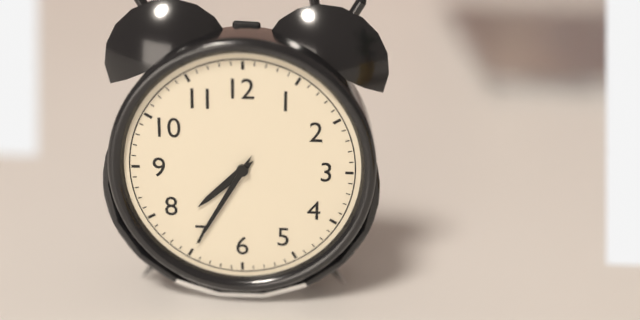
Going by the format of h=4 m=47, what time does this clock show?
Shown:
h=7 m=35
